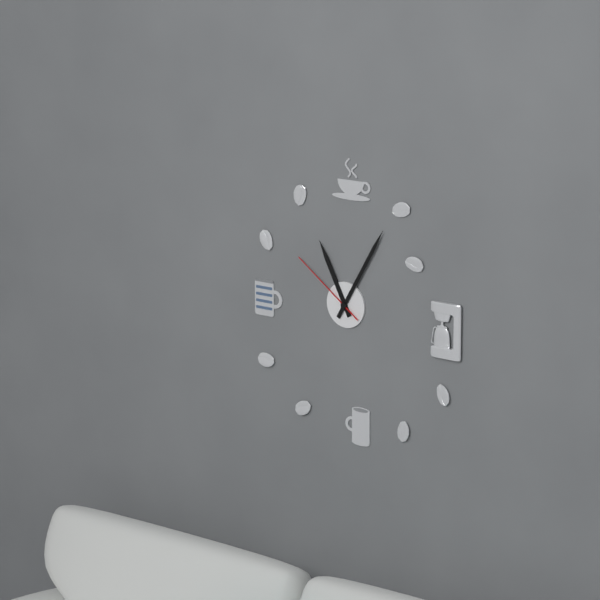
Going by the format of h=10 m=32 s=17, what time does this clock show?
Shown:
h=11 m=5 s=51
